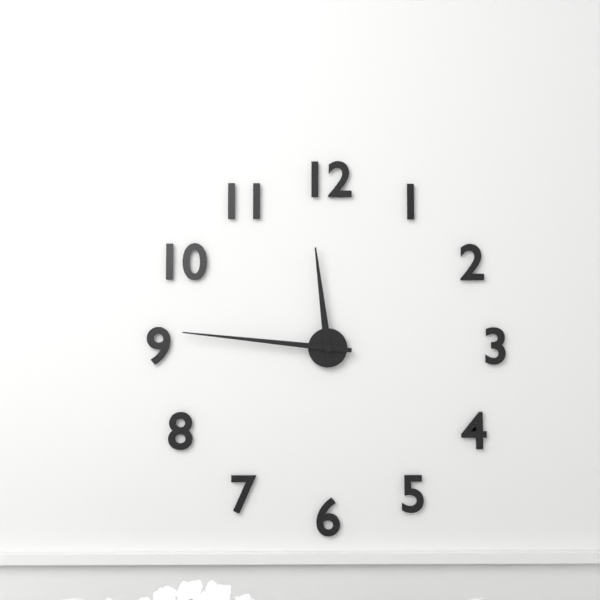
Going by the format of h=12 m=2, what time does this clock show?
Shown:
h=11 m=46
